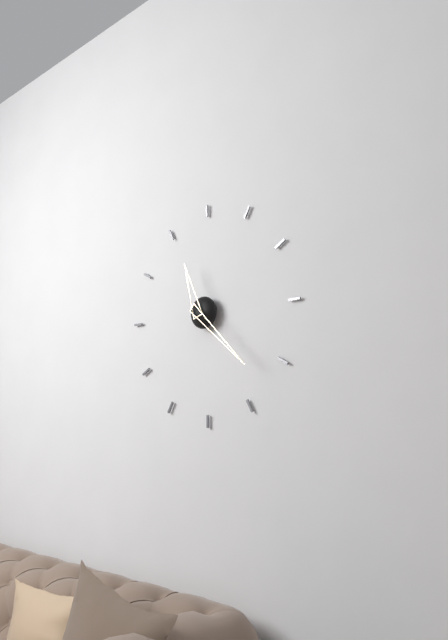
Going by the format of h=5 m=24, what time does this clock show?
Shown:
h=11 m=22
